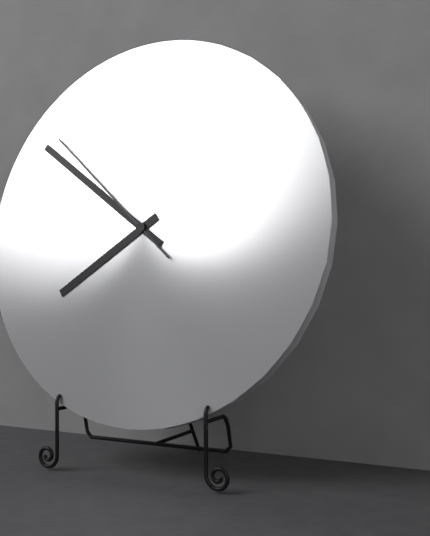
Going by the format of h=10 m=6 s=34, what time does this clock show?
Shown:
h=7 m=51 s=52
